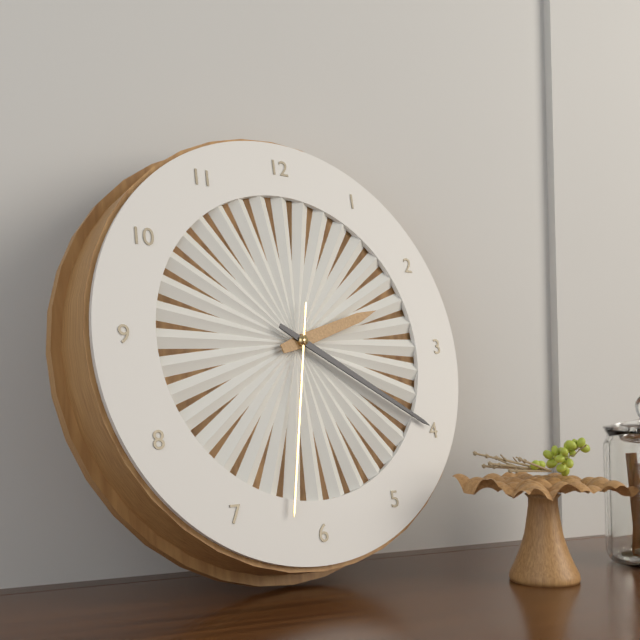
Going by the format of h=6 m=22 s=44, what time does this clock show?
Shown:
h=2 m=20 s=32
